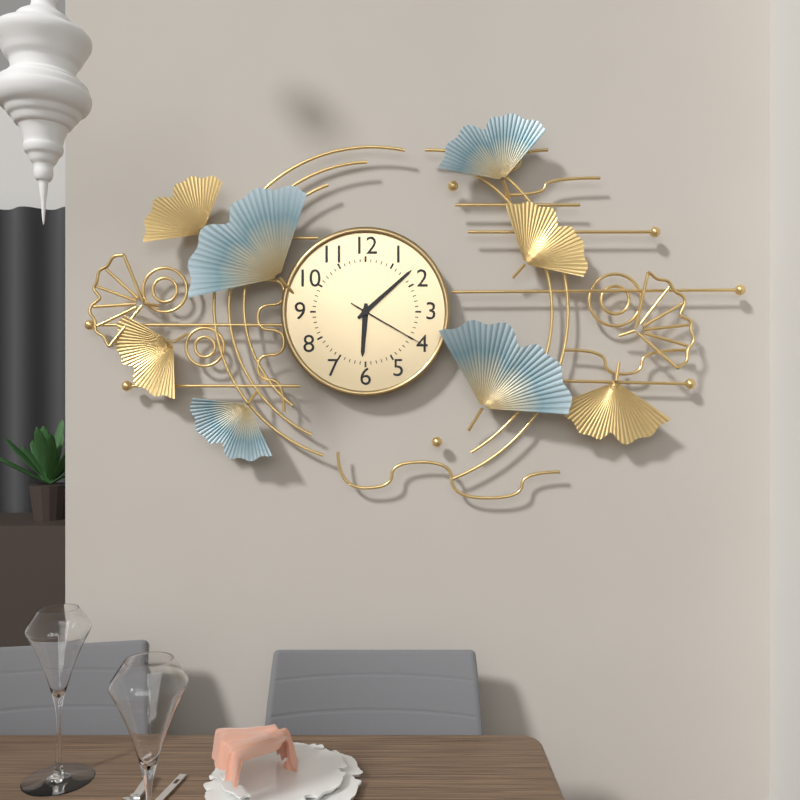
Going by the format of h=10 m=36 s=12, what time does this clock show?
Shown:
h=6 m=8 s=20
